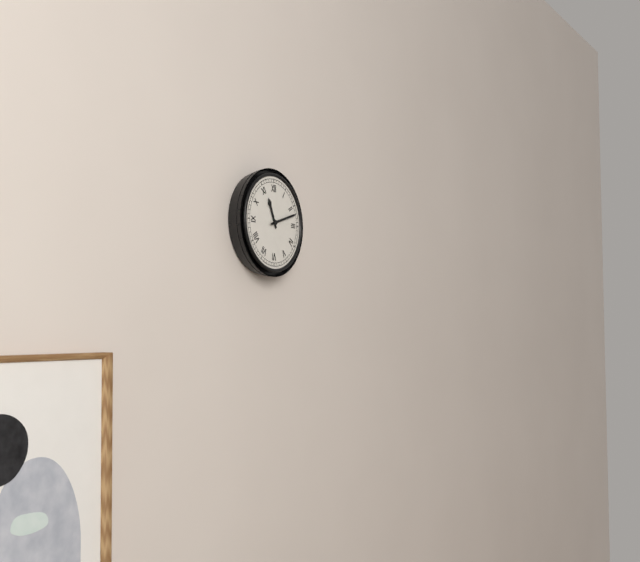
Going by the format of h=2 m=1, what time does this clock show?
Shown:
h=11 m=12
